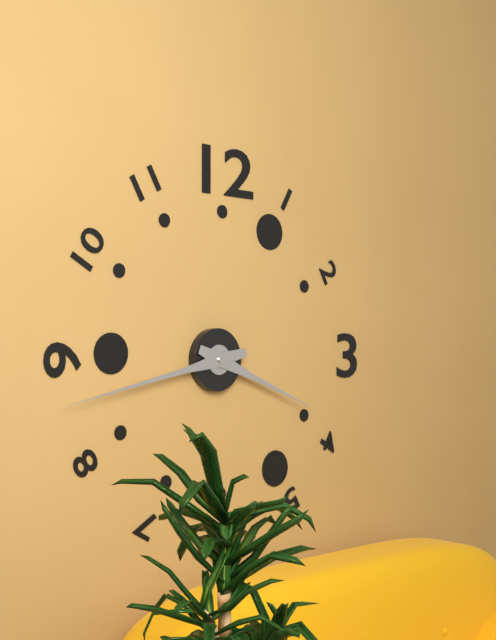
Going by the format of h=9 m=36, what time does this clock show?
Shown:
h=3 m=43
